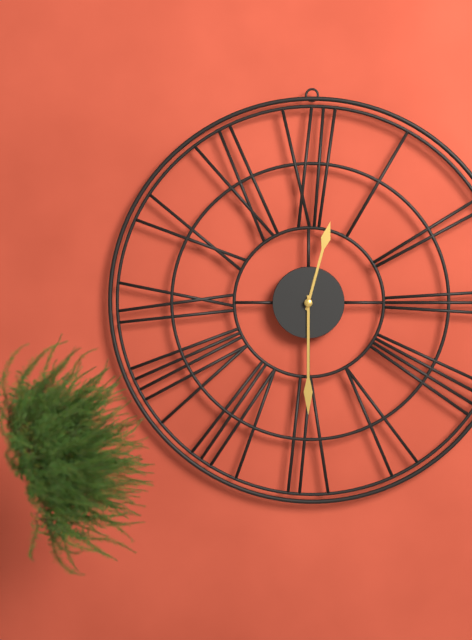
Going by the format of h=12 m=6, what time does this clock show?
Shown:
h=12 m=30
